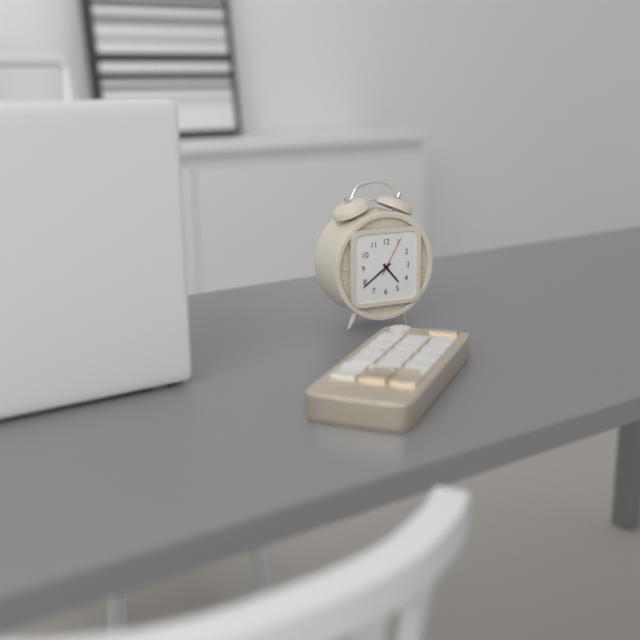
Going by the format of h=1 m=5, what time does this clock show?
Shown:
h=4 m=39
